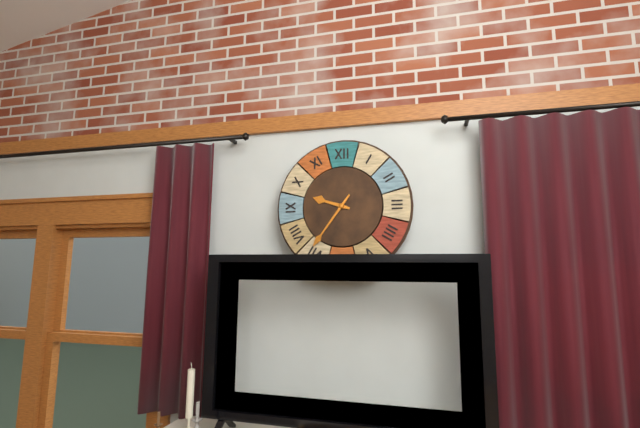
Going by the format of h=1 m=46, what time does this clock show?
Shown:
h=9 m=36
